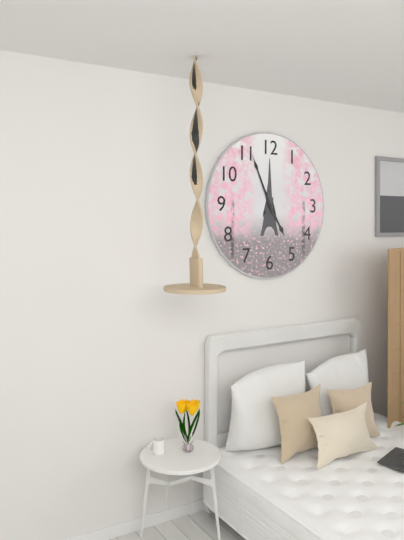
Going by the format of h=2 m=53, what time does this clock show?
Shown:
h=4 m=56
